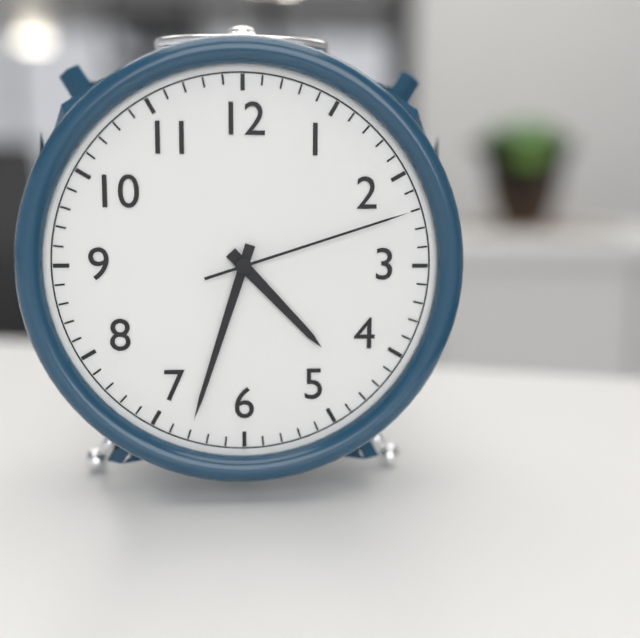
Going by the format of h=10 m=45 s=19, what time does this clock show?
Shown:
h=4 m=33 s=12
